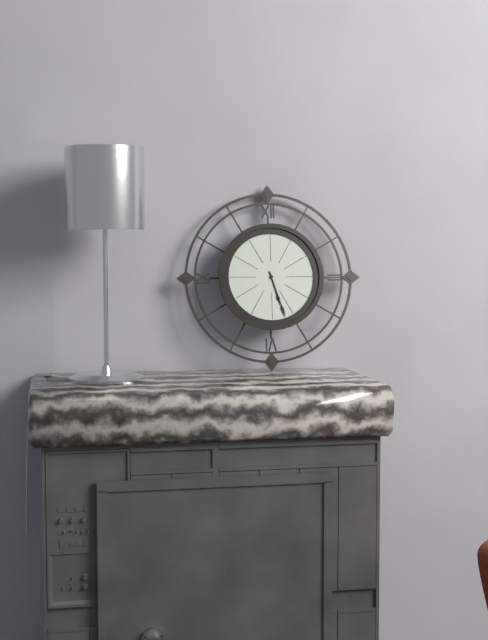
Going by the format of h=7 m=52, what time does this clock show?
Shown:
h=5 m=27
